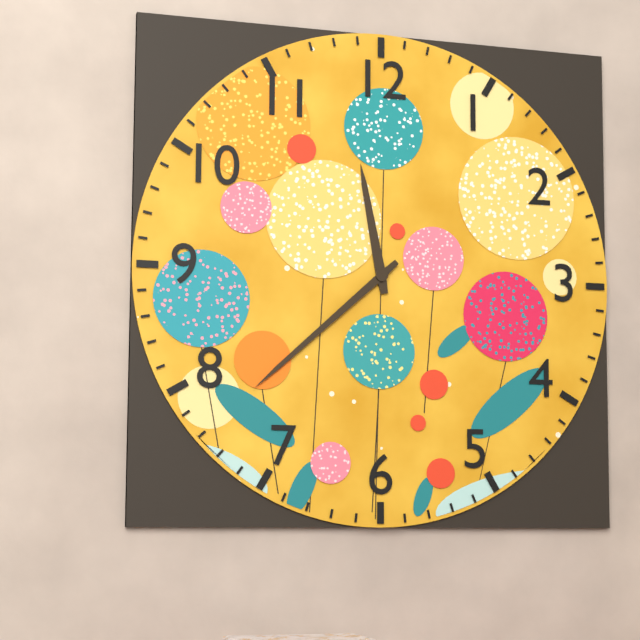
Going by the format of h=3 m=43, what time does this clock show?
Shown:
h=11 m=38
